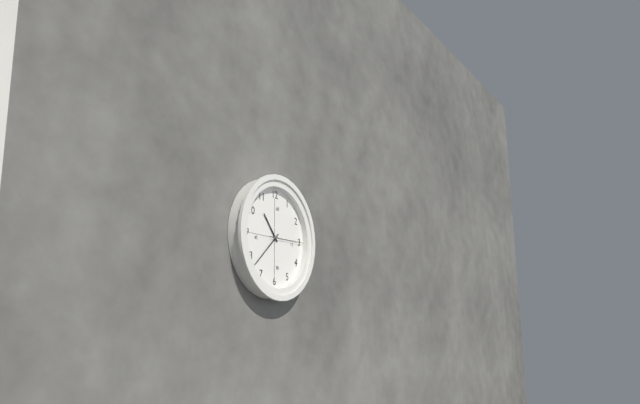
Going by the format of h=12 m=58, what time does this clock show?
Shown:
h=10 m=38
